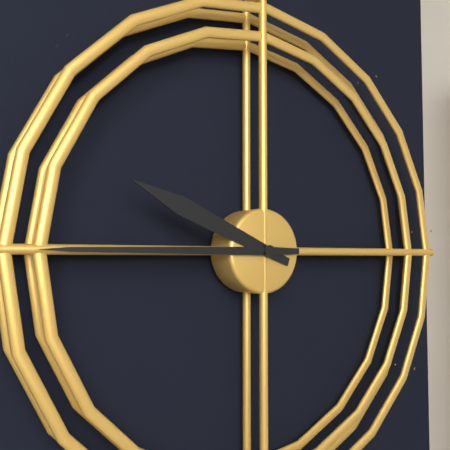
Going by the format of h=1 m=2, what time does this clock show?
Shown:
h=9 m=45
